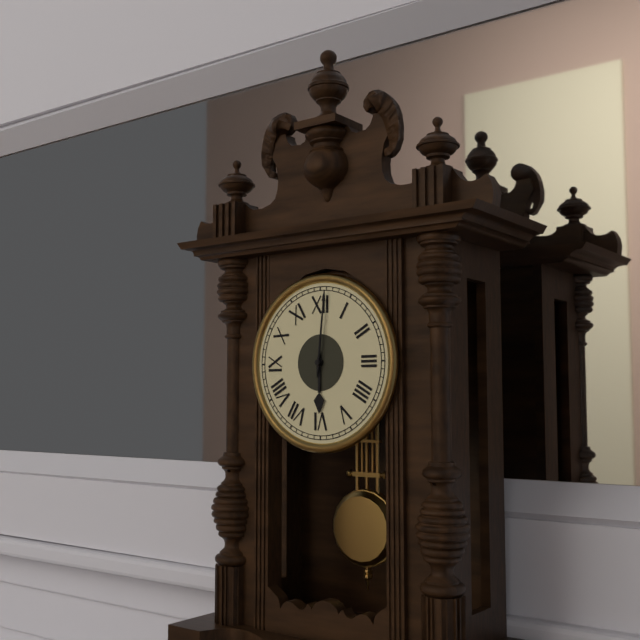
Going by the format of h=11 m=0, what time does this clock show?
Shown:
h=6 m=1
